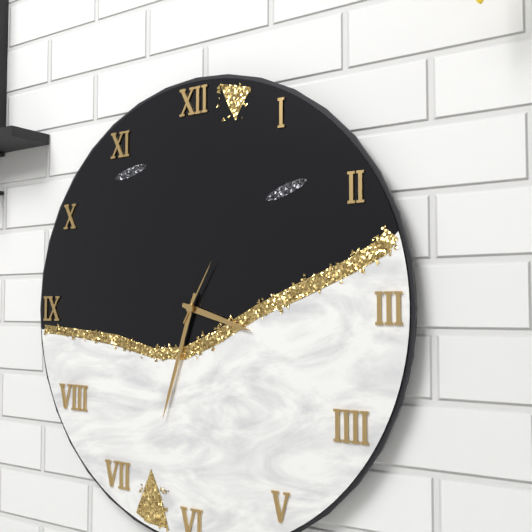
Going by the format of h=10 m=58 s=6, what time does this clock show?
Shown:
h=3 m=33 s=5
